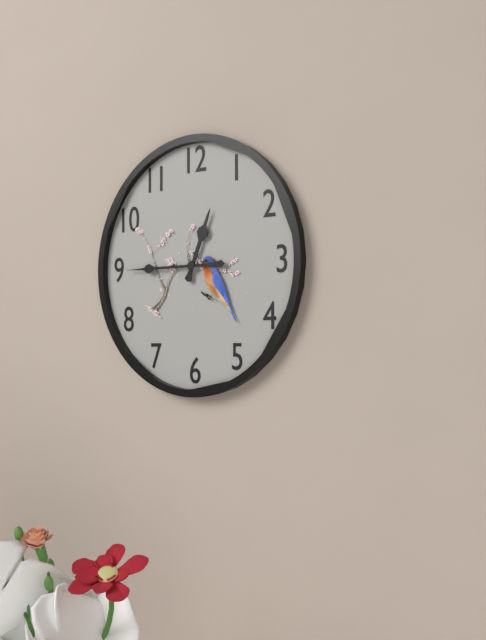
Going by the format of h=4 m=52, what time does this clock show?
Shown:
h=12 m=45
